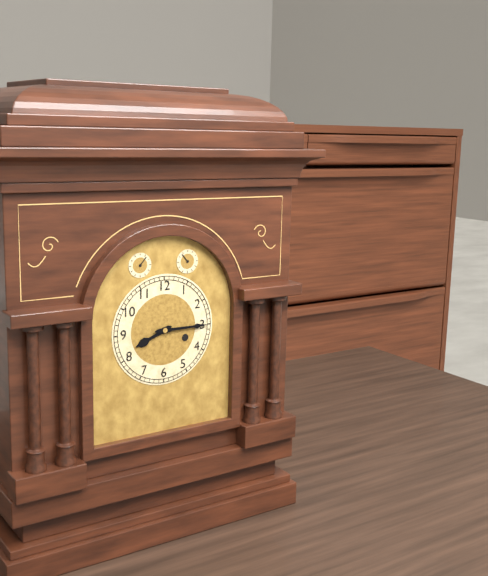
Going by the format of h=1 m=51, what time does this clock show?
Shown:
h=8 m=15
